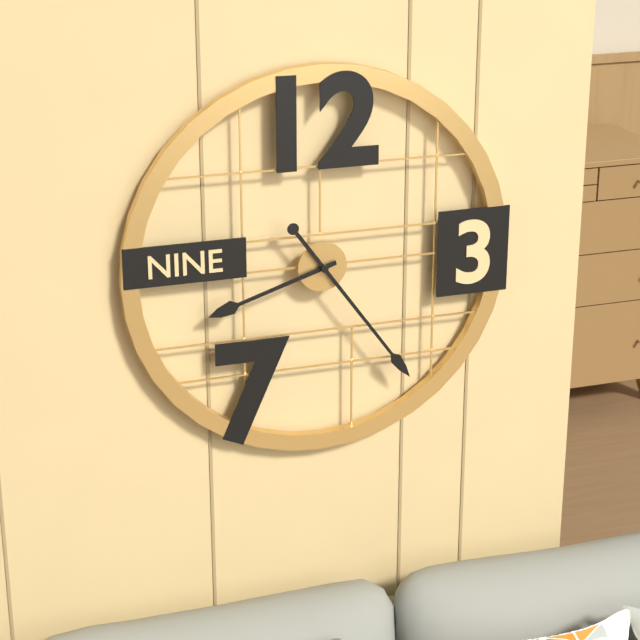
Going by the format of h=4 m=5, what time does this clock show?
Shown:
h=8 m=24
